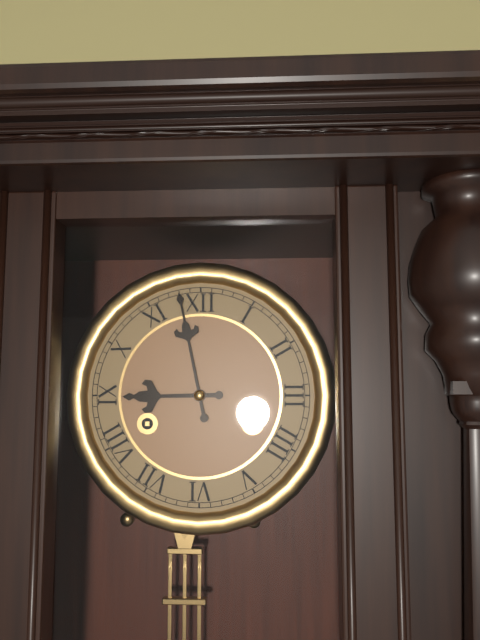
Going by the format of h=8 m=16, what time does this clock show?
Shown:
h=8 m=58
